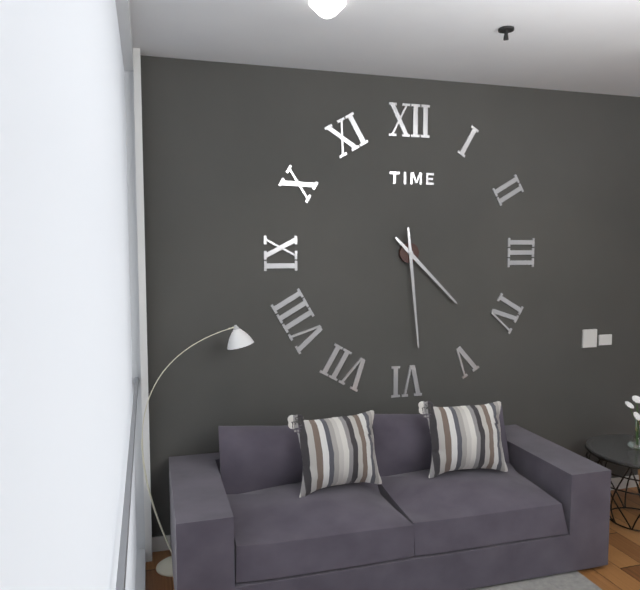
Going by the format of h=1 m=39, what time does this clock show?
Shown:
h=4 m=29
